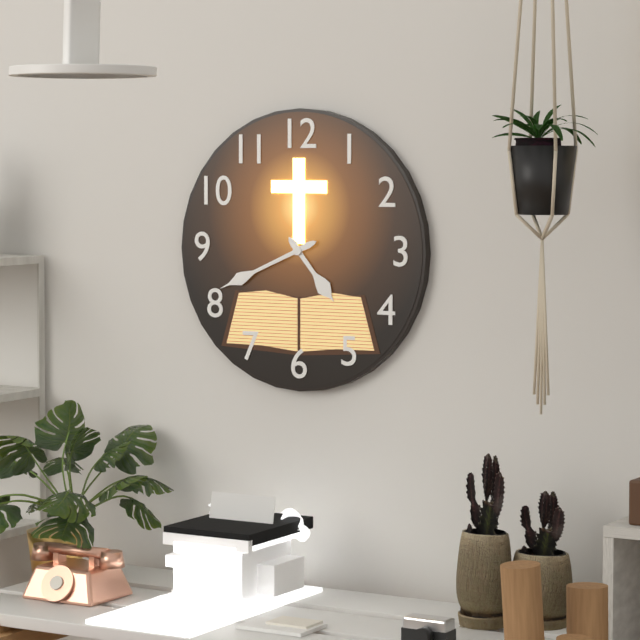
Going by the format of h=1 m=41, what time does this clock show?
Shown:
h=4 m=41
